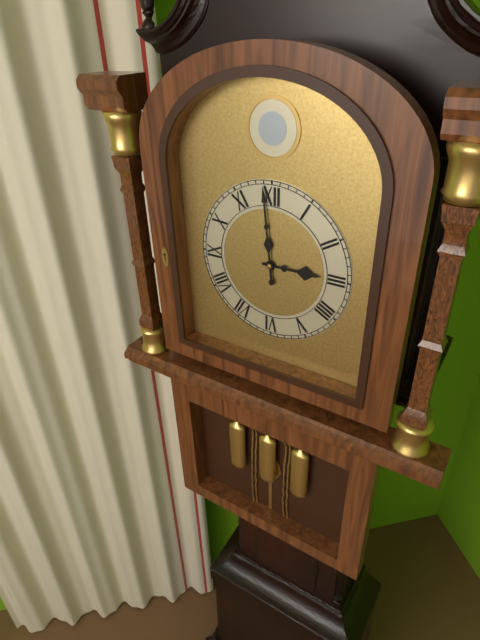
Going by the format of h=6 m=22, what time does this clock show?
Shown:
h=2 m=59
